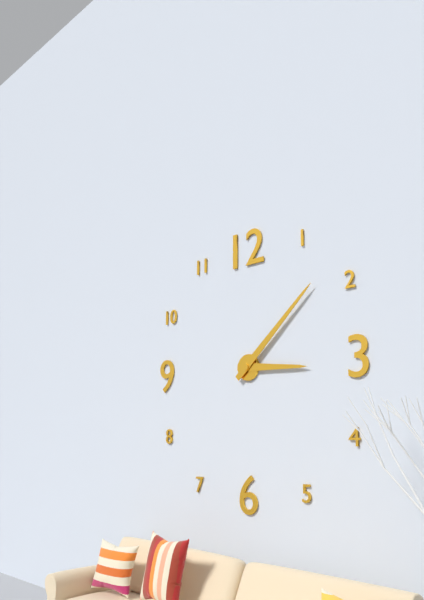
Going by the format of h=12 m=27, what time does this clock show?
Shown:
h=3 m=8
